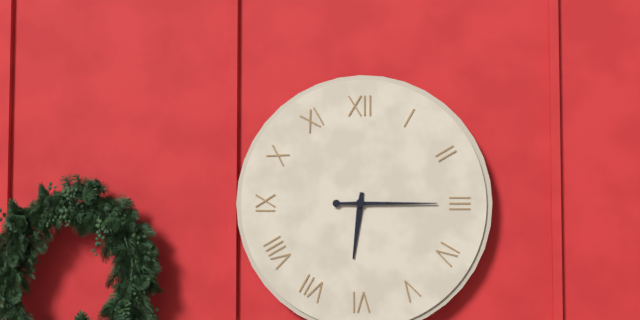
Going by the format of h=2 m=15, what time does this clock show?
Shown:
h=6 m=15
